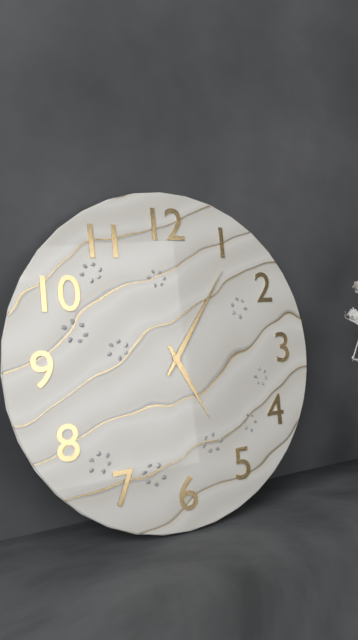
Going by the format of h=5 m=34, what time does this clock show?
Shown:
h=5 m=6
